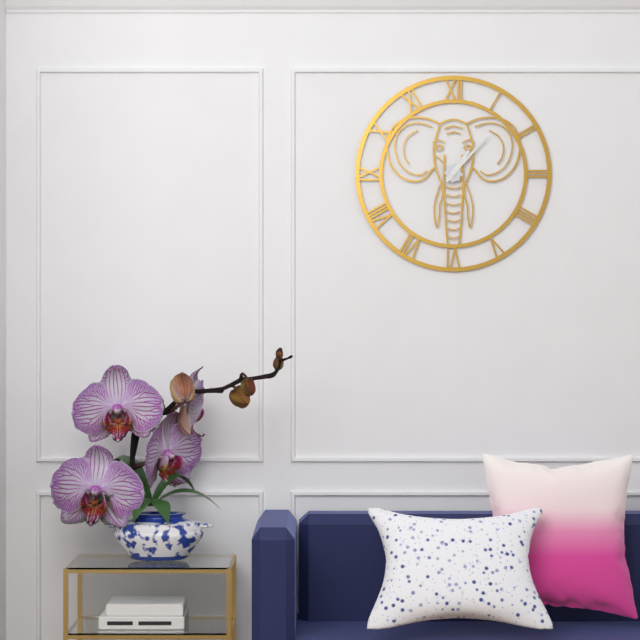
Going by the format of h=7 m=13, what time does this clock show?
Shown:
h=1 m=7
